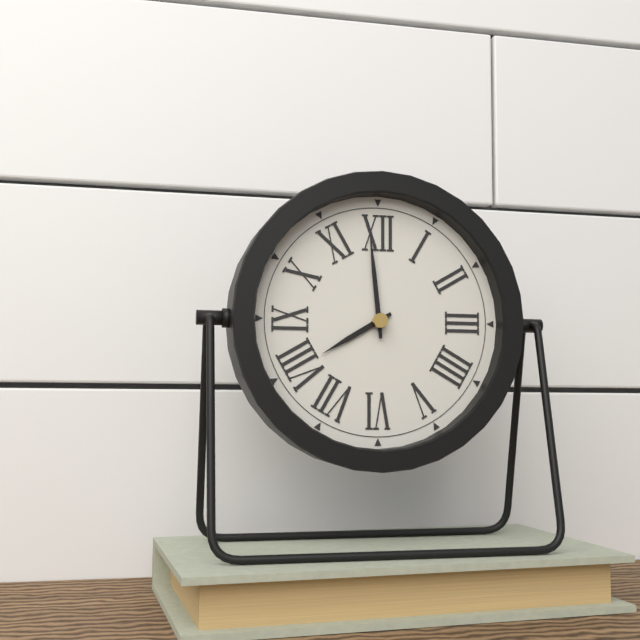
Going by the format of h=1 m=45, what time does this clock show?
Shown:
h=7 m=59
